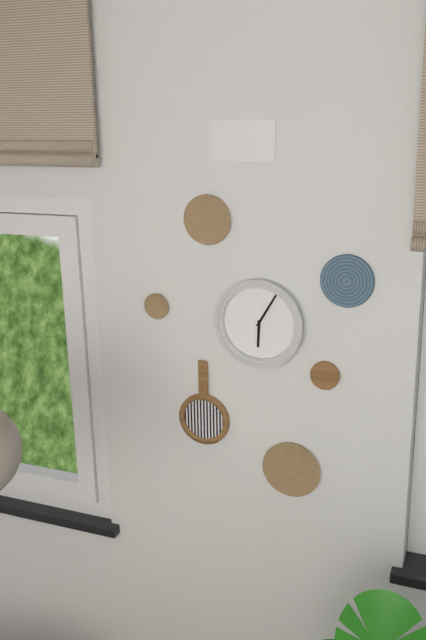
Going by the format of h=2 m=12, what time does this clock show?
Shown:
h=6 m=5
